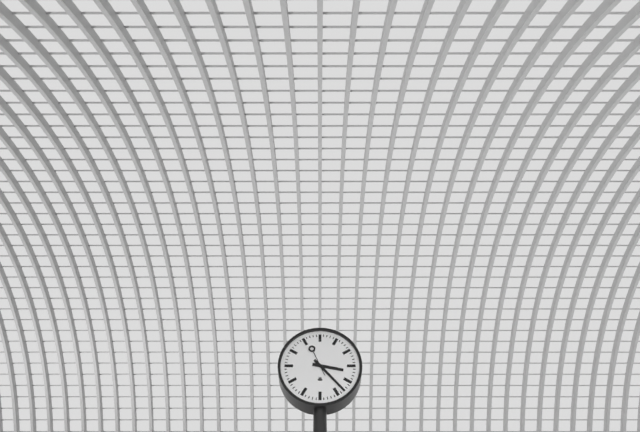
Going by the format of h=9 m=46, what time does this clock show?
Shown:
h=3 m=23
